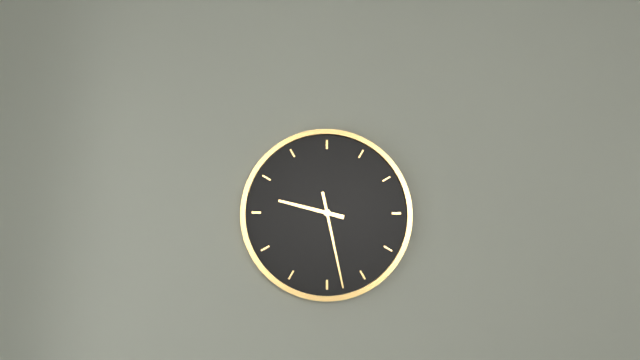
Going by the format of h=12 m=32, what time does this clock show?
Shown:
h=9 m=28
